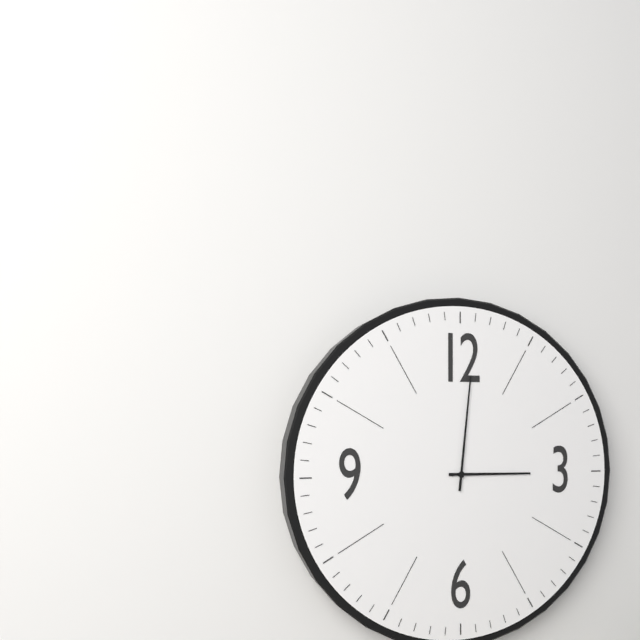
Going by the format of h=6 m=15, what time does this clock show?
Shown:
h=3 m=1
